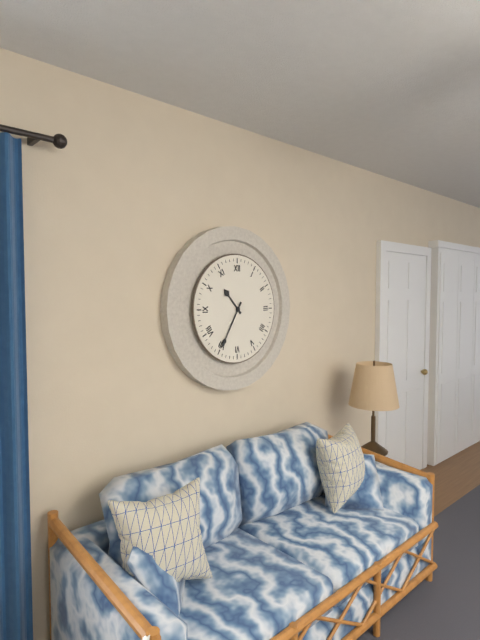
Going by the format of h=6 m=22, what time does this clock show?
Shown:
h=10 m=35
